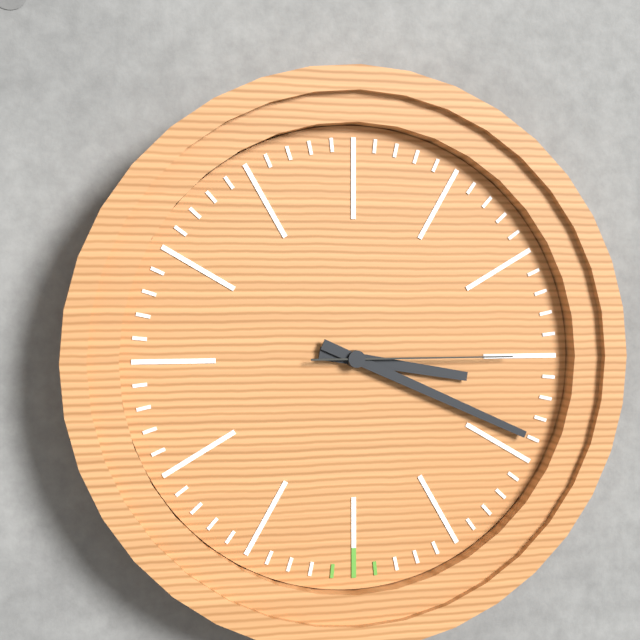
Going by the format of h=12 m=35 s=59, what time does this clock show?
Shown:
h=3 m=19 s=15
